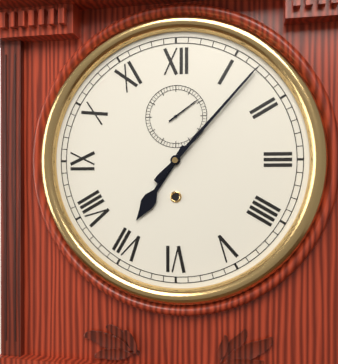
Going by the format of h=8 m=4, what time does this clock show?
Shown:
h=7 m=7
